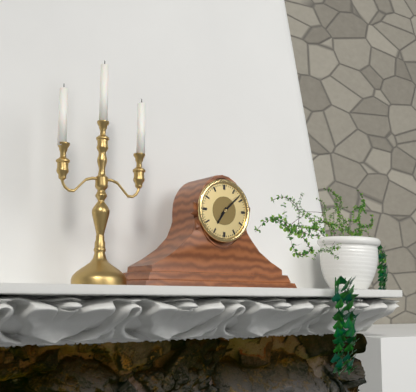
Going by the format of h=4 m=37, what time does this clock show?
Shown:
h=7 m=8
